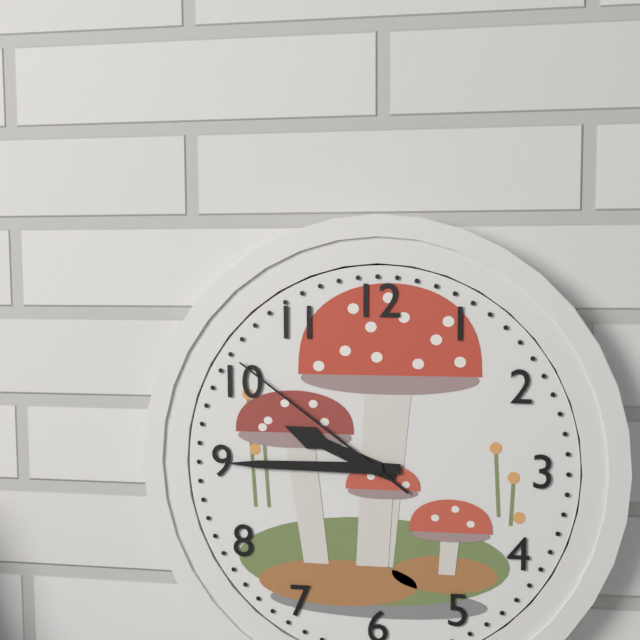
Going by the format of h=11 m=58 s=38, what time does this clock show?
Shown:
h=9 m=45 s=51
